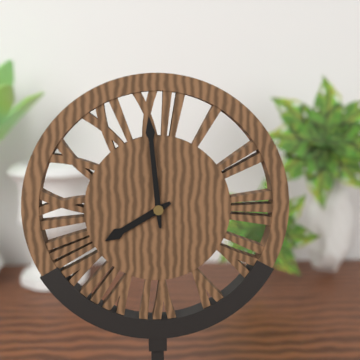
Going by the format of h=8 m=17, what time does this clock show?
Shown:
h=7 m=59
